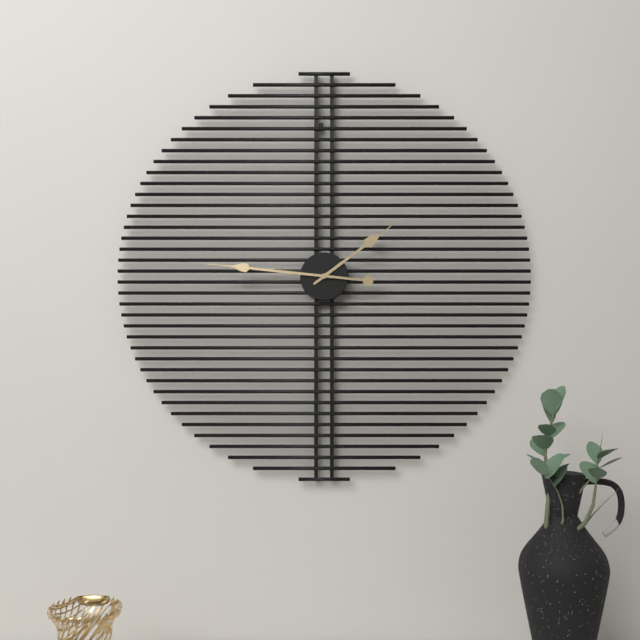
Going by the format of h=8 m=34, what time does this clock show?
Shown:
h=1 m=46
